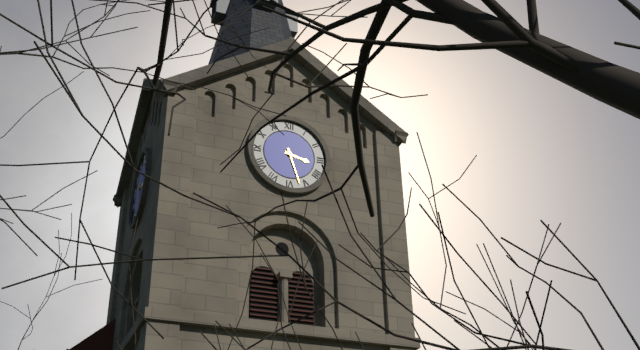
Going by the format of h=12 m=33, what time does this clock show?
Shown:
h=3 m=27
